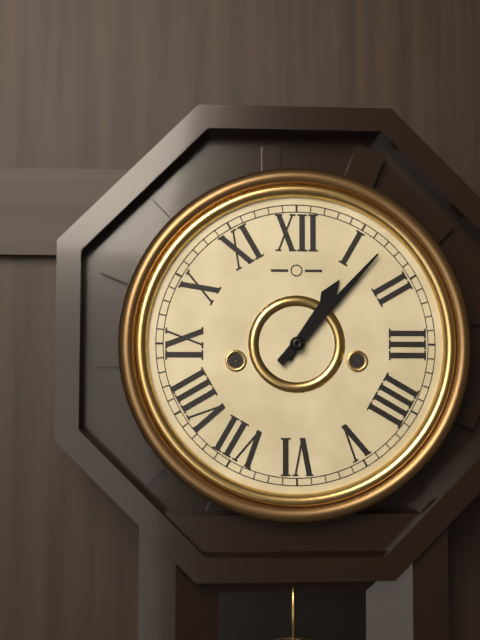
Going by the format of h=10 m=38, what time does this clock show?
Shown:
h=1 m=7
